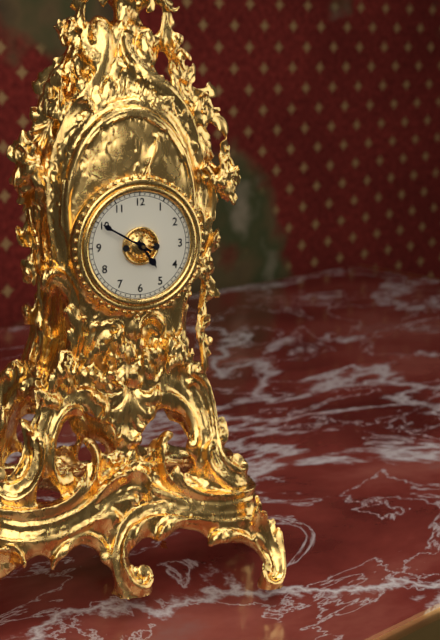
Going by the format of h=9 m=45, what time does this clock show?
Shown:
h=4 m=50
